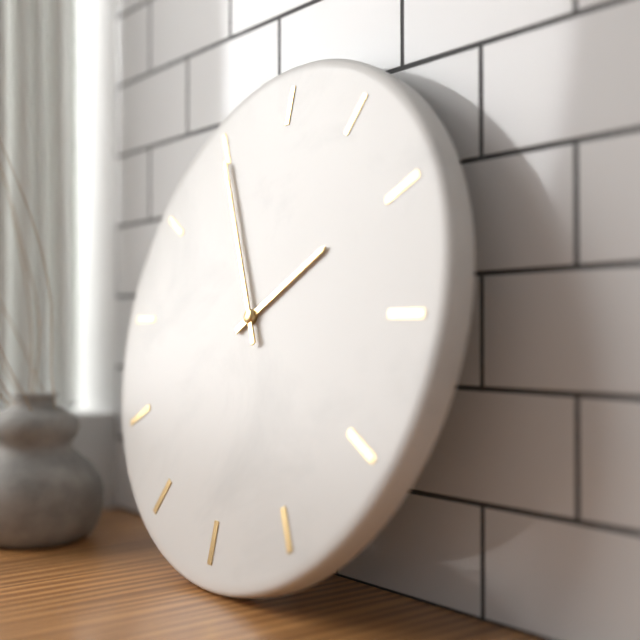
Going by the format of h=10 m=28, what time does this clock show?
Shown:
h=1 m=55
